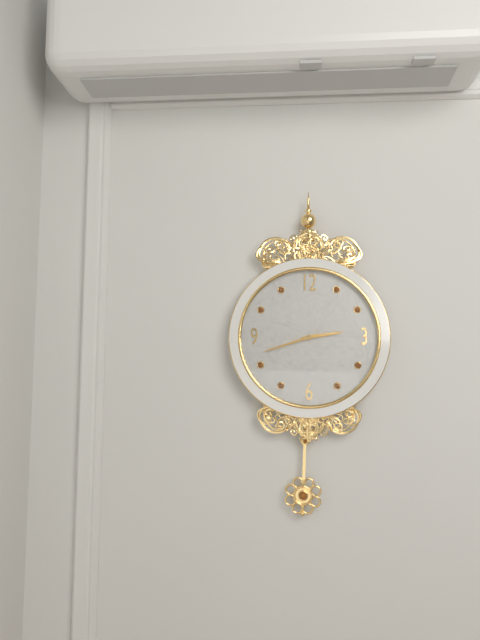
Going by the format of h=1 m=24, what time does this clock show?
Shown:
h=2 m=42
